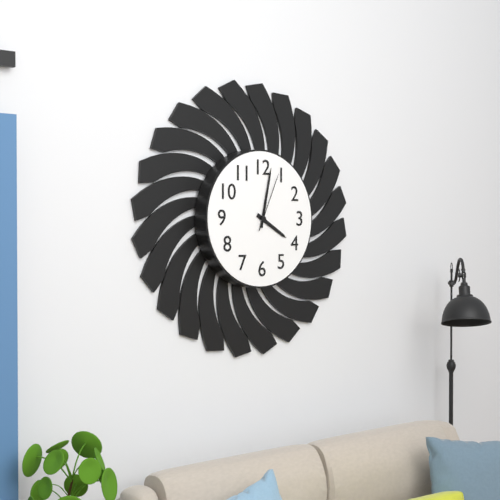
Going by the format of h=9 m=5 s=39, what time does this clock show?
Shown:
h=4 m=2 s=4
